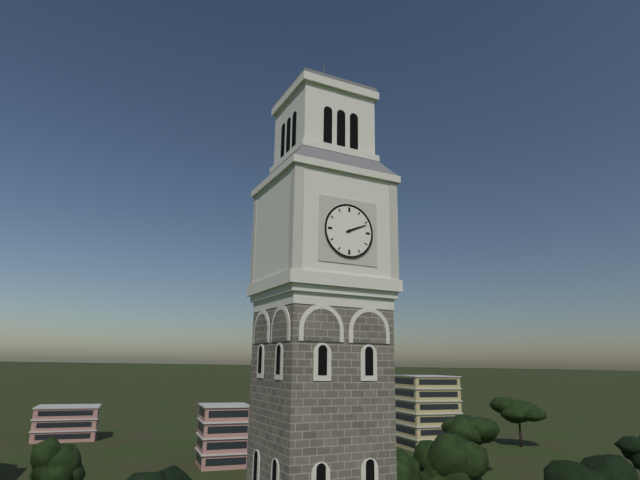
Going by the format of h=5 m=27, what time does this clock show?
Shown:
h=2 m=11
